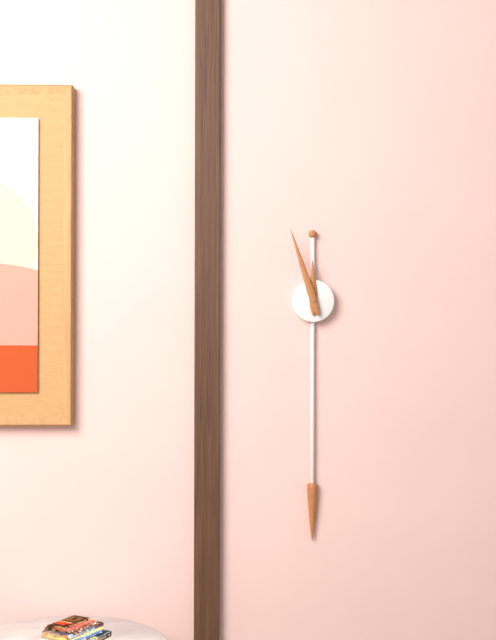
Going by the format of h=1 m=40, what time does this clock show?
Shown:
h=11 m=57
